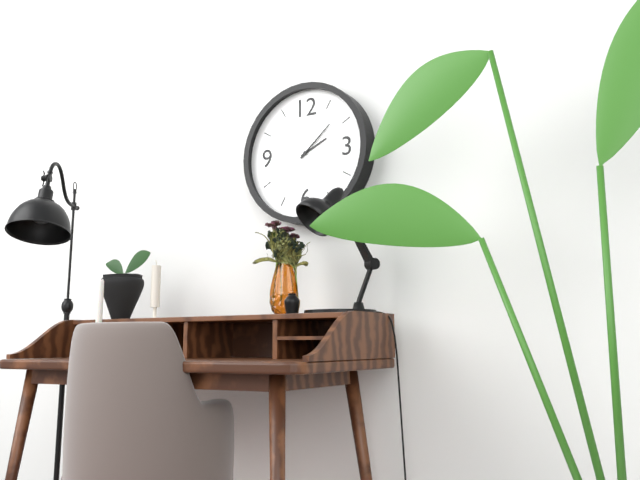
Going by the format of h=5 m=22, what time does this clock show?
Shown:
h=2 m=8
